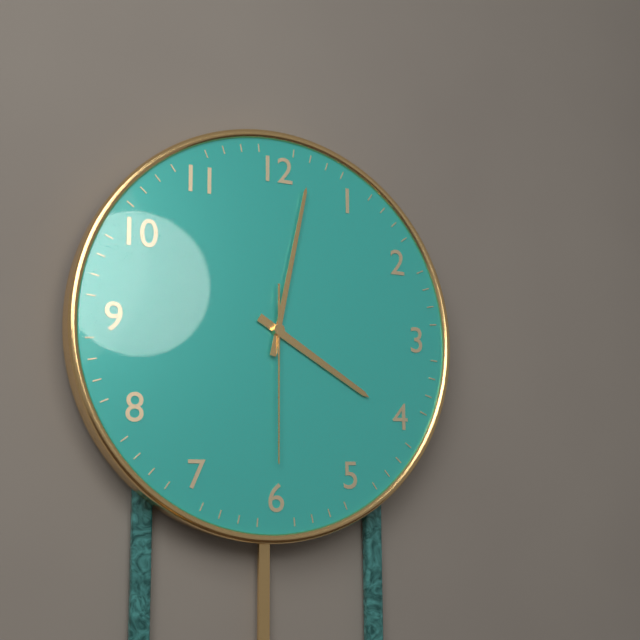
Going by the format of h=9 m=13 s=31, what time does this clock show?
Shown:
h=4 m=2 s=30
